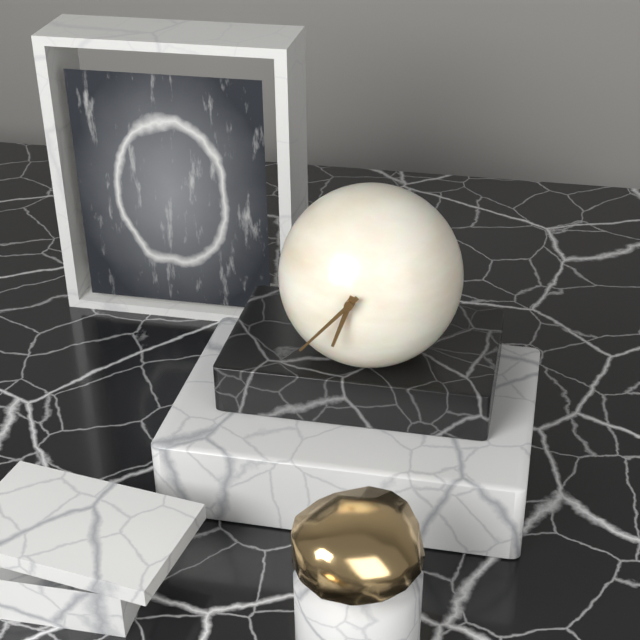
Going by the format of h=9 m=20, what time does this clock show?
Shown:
h=6 m=37
